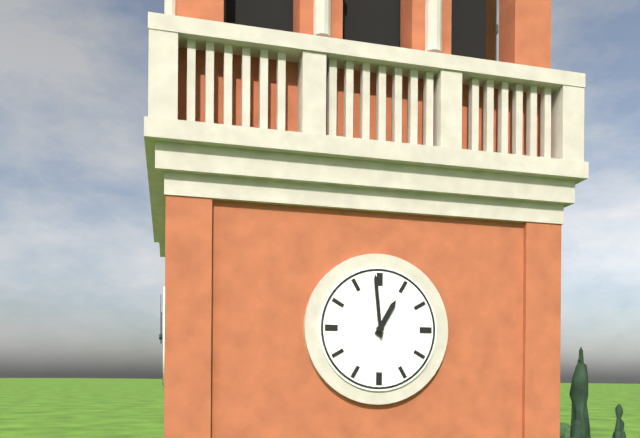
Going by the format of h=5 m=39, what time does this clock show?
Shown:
h=12 m=59
